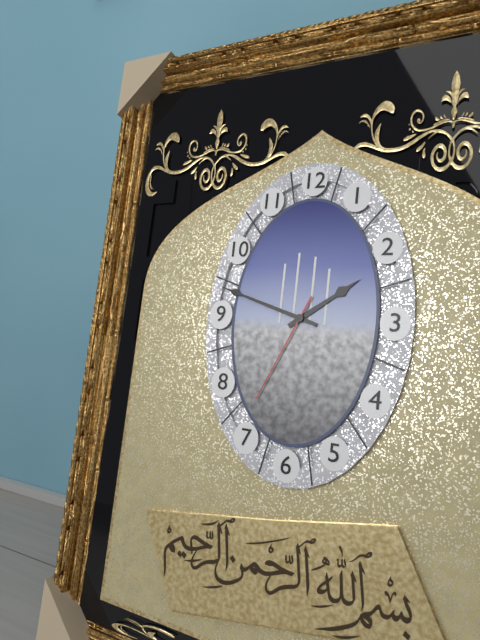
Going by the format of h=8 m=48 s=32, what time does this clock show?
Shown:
h=1 m=48 s=34
